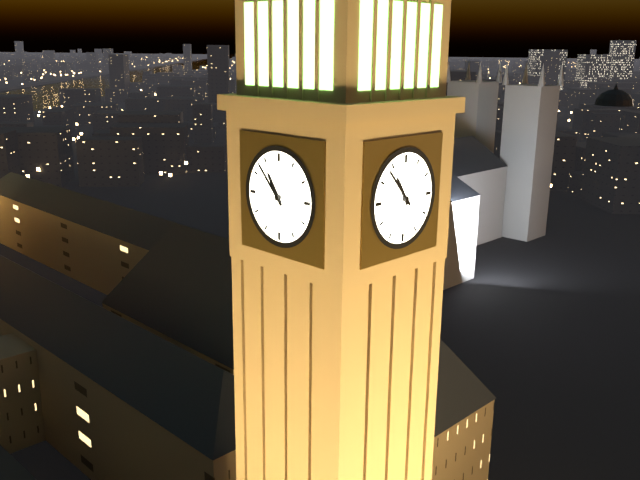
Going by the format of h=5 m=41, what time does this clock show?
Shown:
h=10 m=53
